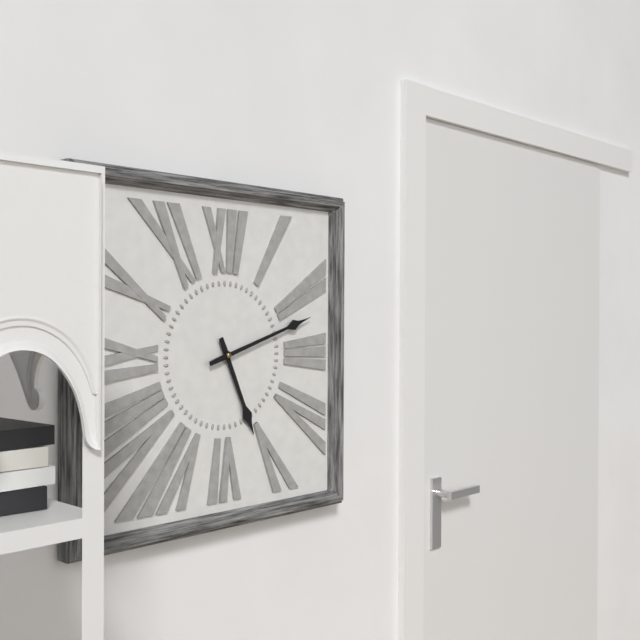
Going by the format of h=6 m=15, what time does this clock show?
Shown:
h=5 m=12
